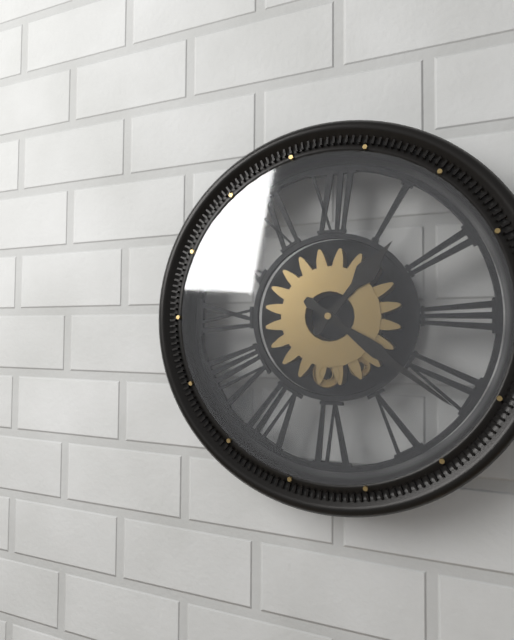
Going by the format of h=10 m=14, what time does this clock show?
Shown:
h=1 m=21
